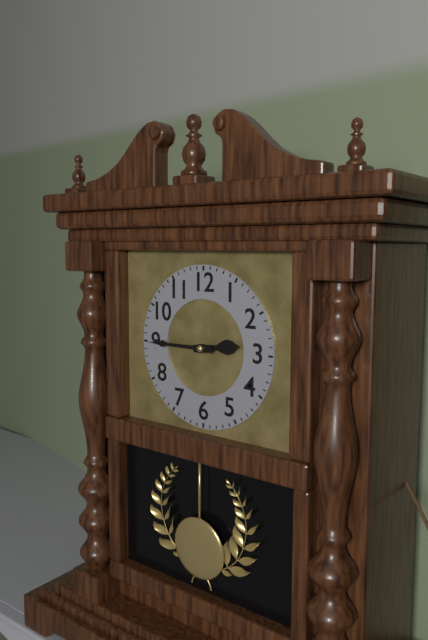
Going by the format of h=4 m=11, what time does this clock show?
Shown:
h=2 m=45
